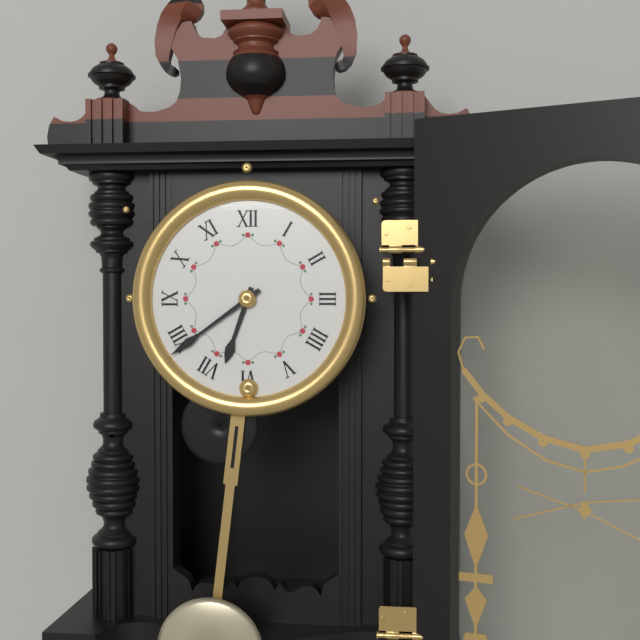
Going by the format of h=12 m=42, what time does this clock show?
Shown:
h=6 m=39
